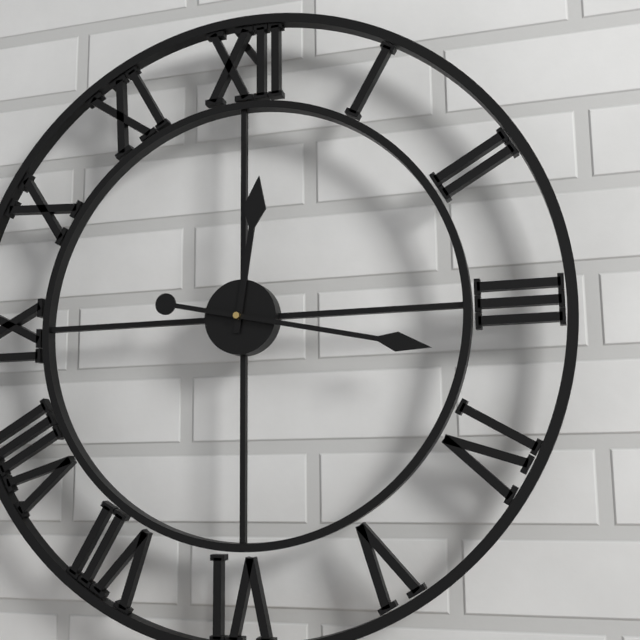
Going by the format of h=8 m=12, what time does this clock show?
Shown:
h=12 m=17
